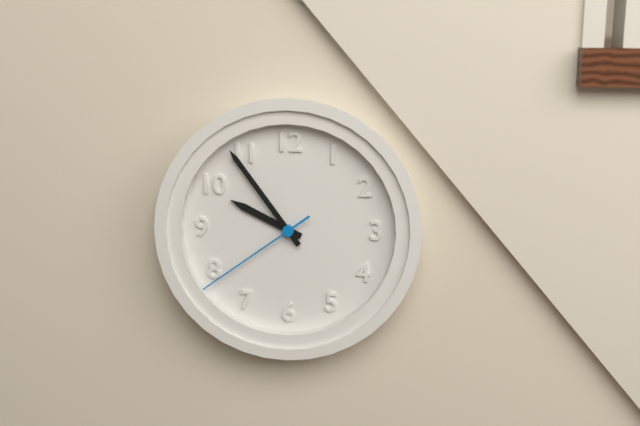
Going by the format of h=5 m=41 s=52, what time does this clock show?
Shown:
h=9 m=54 s=39
